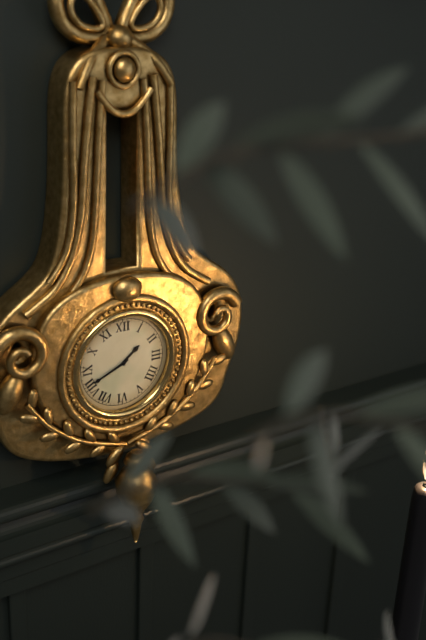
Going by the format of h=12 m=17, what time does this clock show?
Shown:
h=1 m=41
